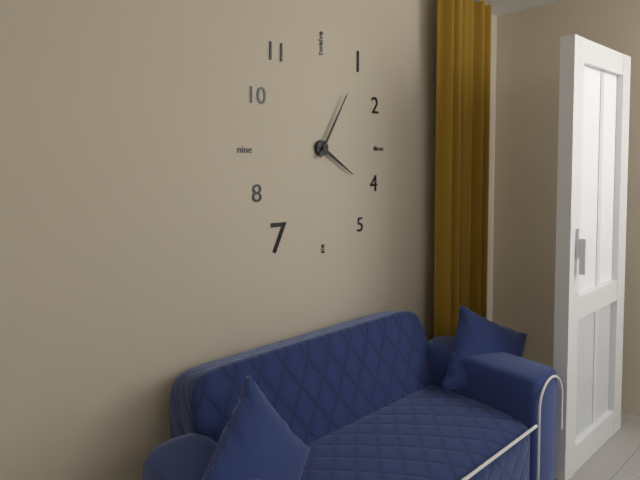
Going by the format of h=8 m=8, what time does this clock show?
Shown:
h=4 m=5
